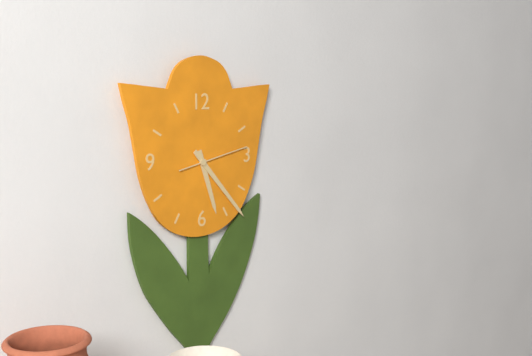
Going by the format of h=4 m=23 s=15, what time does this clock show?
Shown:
h=5 m=23 s=13
